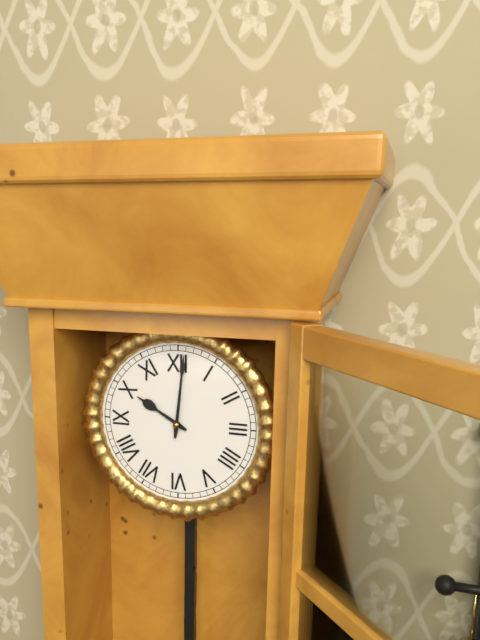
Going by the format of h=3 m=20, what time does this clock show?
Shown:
h=10 m=1
